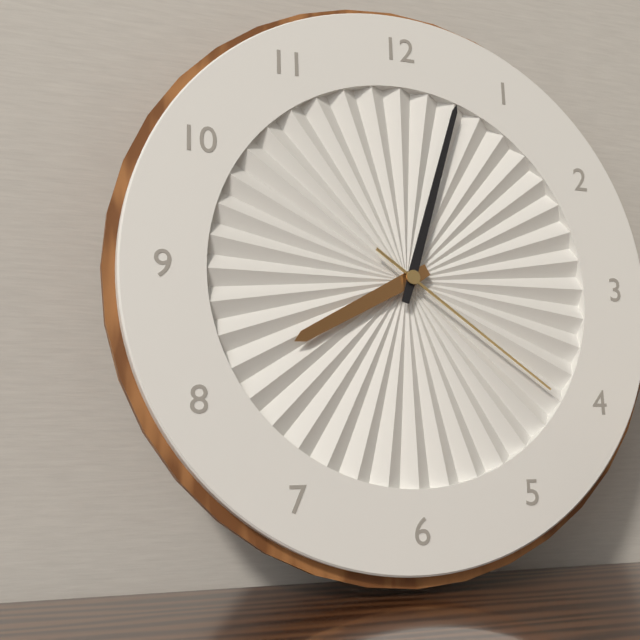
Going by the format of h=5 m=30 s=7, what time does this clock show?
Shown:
h=8 m=3 s=21
